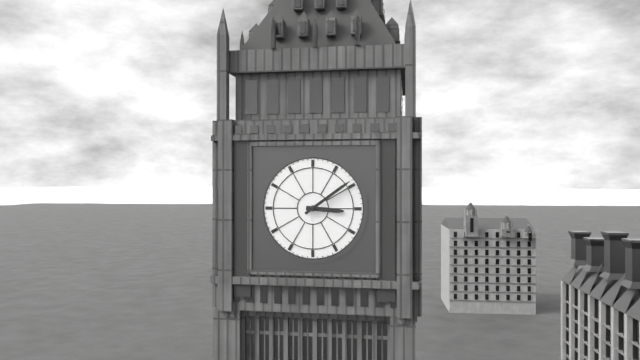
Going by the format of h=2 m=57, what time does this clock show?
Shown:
h=3 m=9
